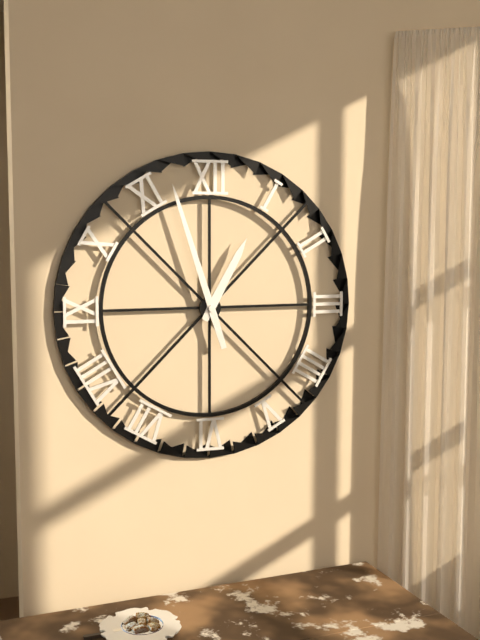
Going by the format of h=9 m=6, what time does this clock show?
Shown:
h=12 m=57
